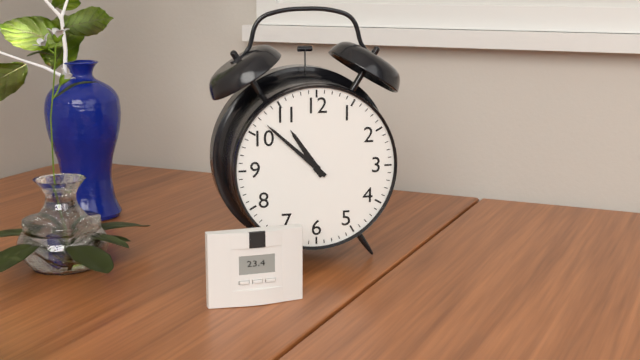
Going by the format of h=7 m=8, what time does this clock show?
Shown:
h=10 m=52
